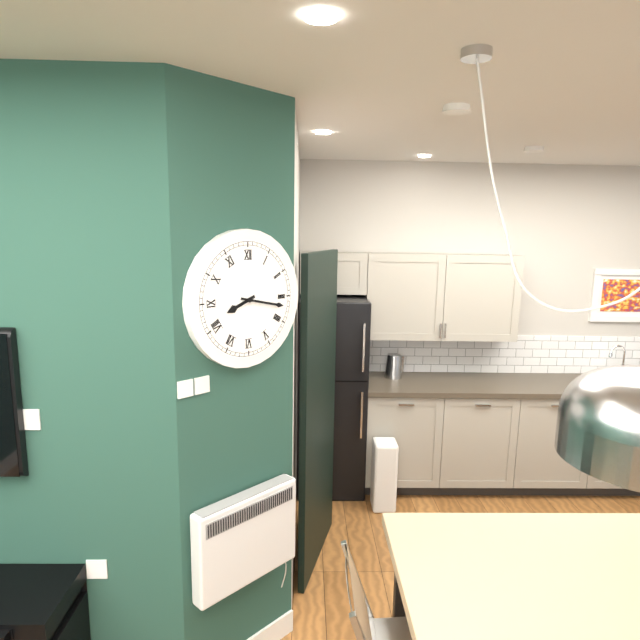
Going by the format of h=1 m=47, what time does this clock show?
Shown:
h=8 m=17
